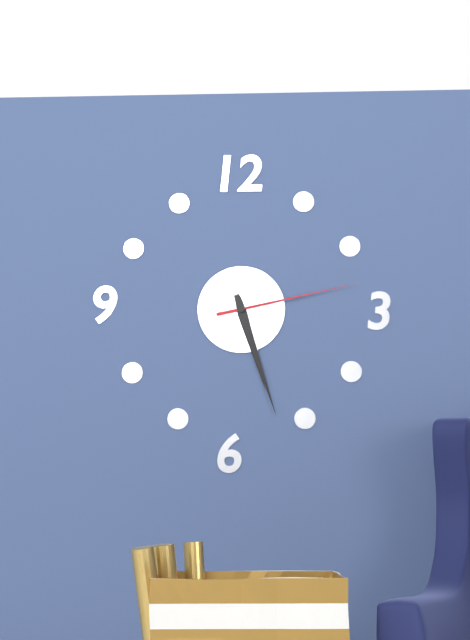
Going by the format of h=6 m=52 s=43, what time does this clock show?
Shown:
h=5 m=27 s=13
